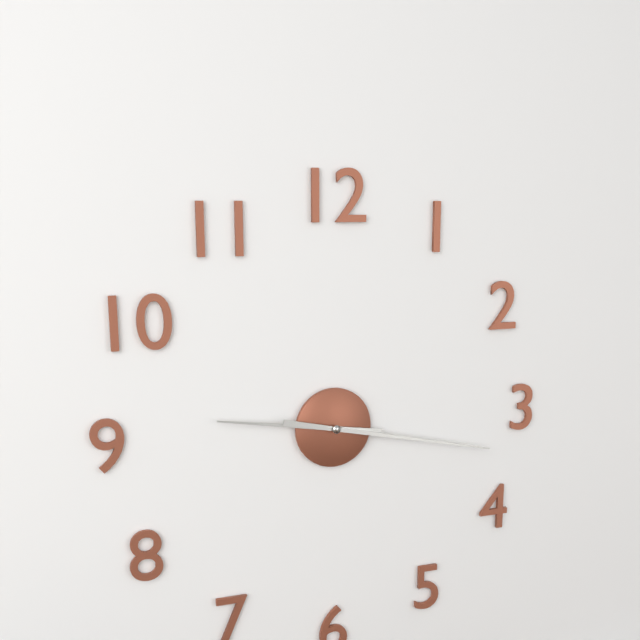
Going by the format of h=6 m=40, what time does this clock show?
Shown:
h=9 m=17
